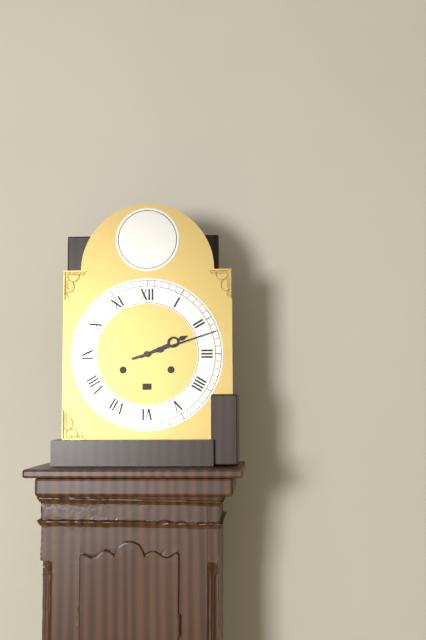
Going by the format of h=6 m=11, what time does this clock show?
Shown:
h=2 m=12
